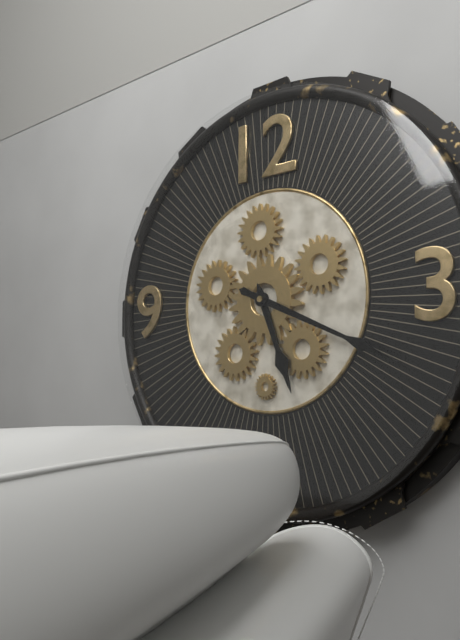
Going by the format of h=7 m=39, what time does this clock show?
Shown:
h=5 m=19
